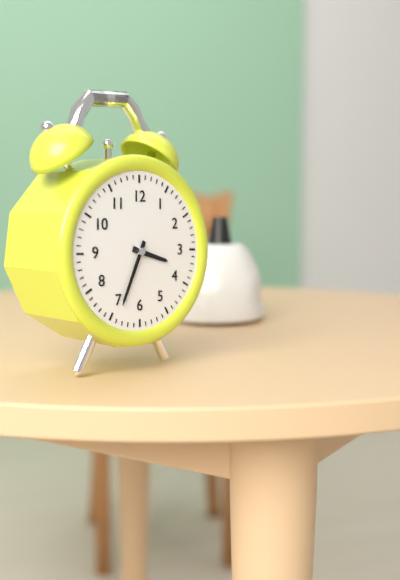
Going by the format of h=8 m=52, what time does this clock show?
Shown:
h=3 m=34
